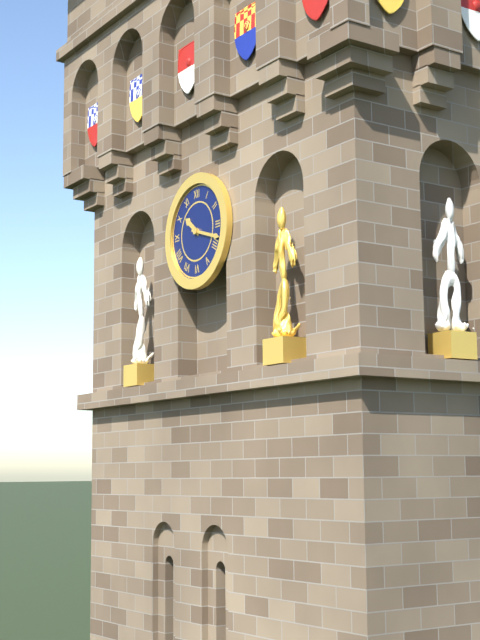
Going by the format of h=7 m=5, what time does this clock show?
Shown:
h=10 m=18
